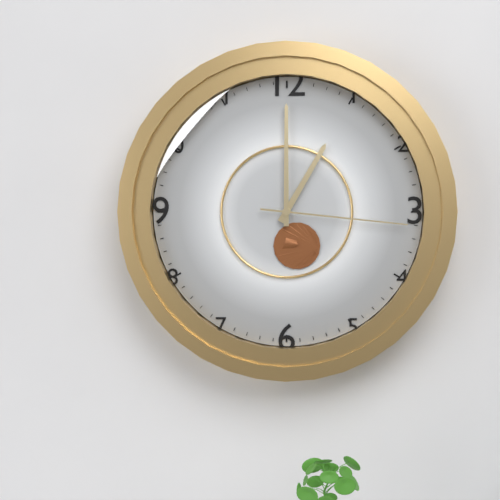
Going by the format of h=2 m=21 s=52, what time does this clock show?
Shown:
h=1 m=0 s=16
